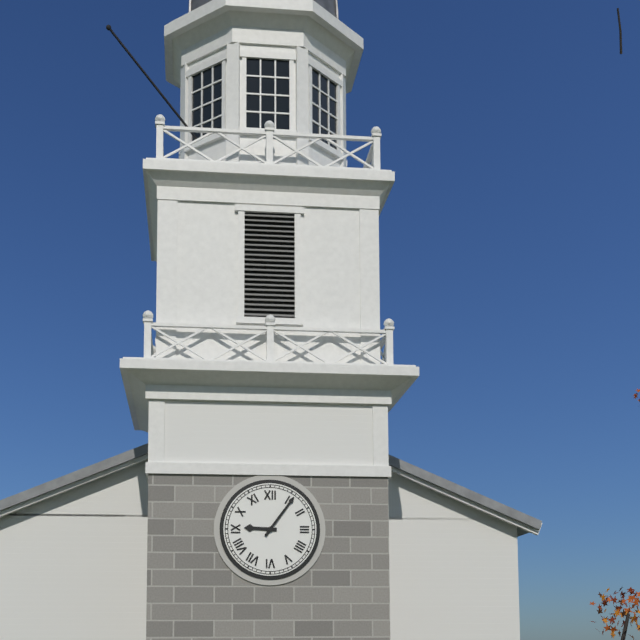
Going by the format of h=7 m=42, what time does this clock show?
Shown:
h=9 m=6
